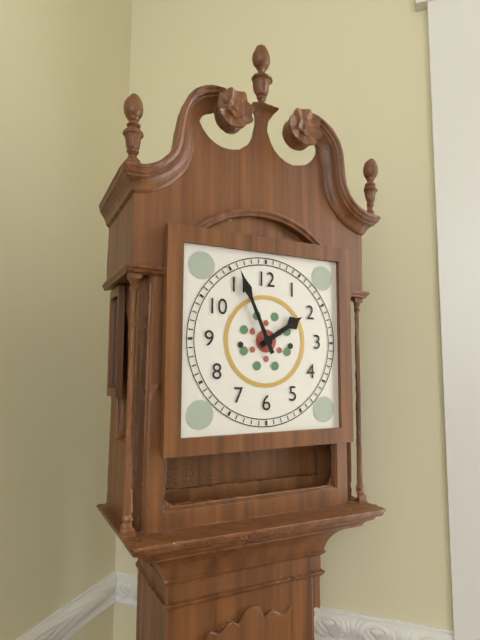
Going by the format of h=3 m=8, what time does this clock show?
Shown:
h=1 m=56
